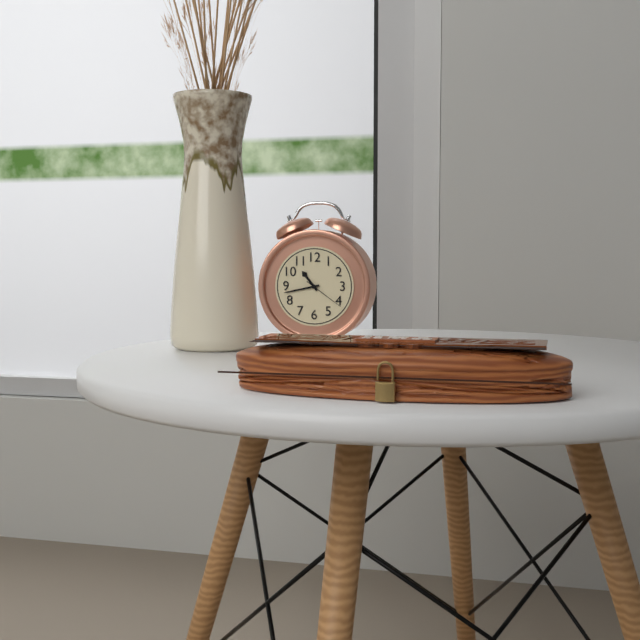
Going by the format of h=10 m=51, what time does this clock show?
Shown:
h=10 m=43
